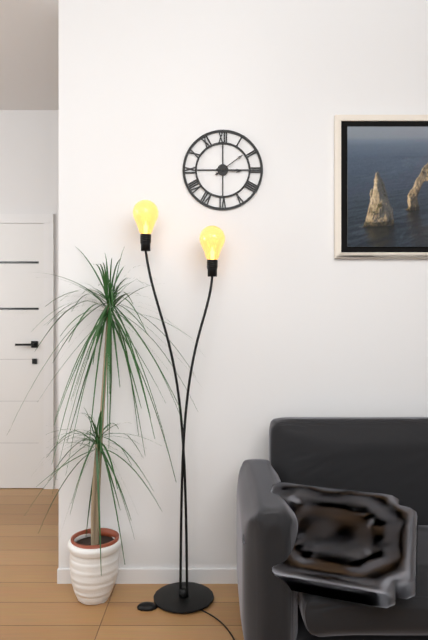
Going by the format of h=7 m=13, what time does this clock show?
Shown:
h=3 m=9
